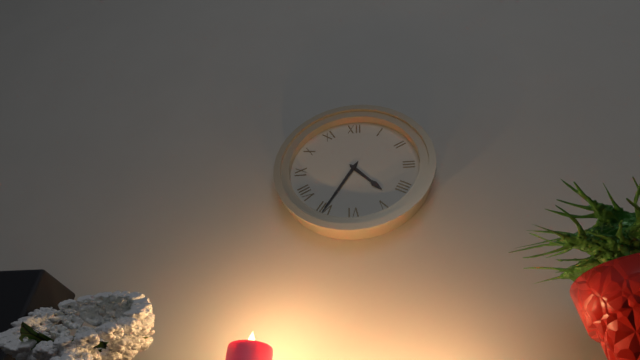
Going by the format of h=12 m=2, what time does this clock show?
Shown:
h=4 m=35
